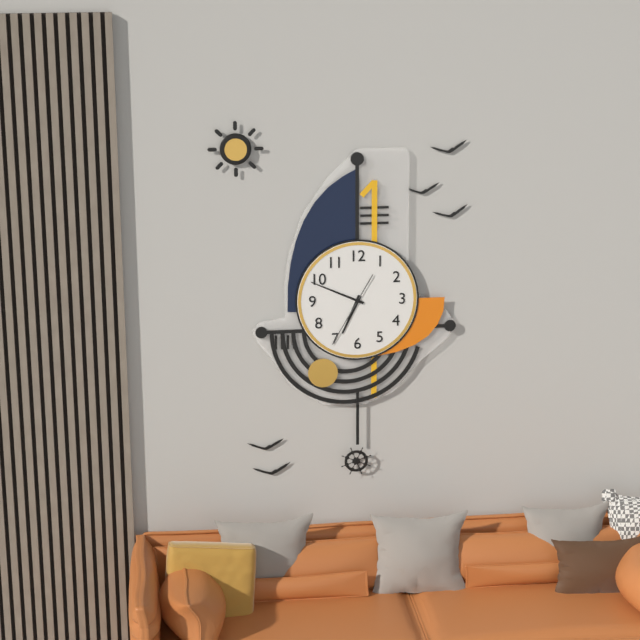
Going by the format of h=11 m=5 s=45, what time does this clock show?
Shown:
h=6 m=49 s=35
